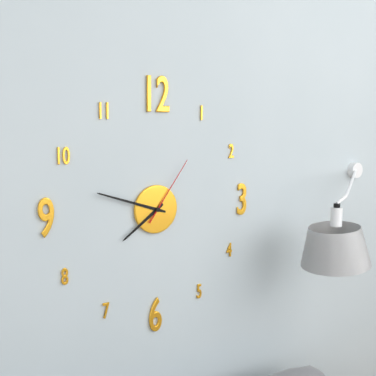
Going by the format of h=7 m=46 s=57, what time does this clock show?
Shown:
h=7 m=48 s=6
